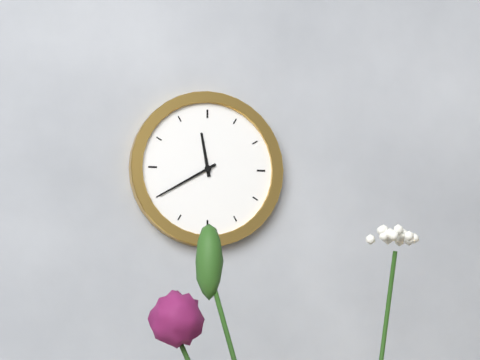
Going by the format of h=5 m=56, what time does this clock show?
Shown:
h=11 m=40
